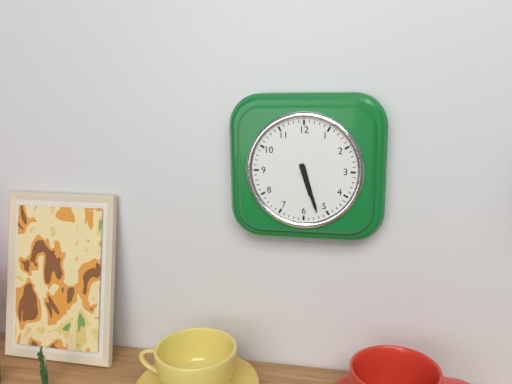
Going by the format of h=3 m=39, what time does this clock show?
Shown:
h=5 m=27
